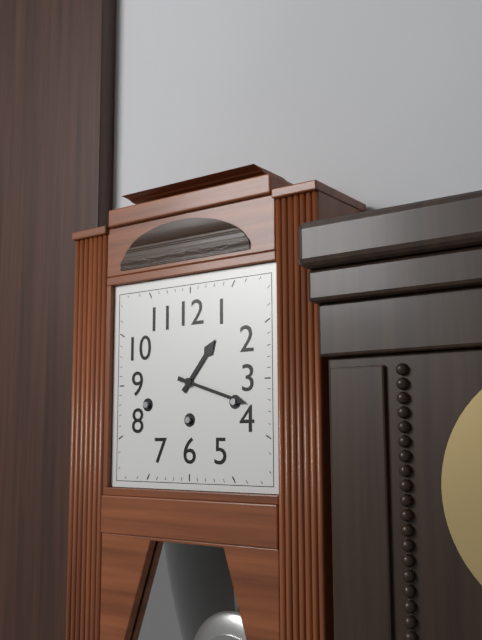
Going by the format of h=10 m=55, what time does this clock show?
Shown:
h=1 m=18
